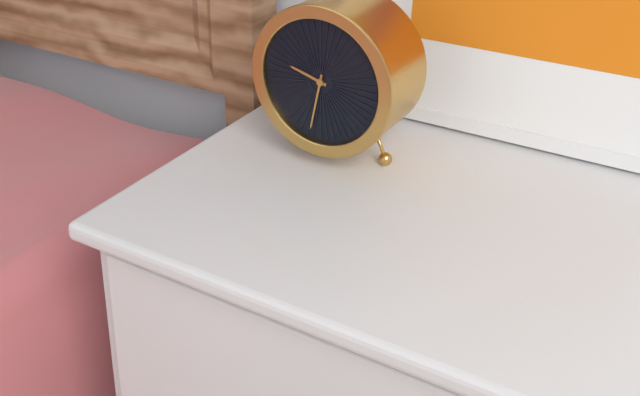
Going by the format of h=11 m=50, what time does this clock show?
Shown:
h=9 m=32
